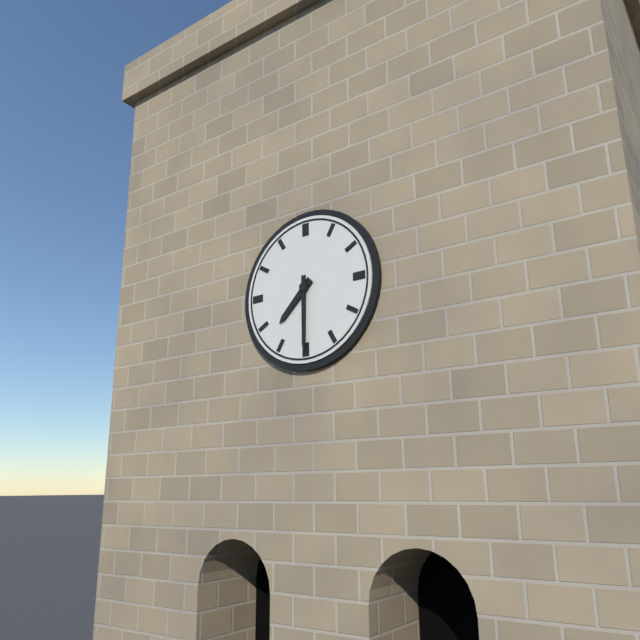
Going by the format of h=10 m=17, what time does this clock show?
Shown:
h=7 m=30
